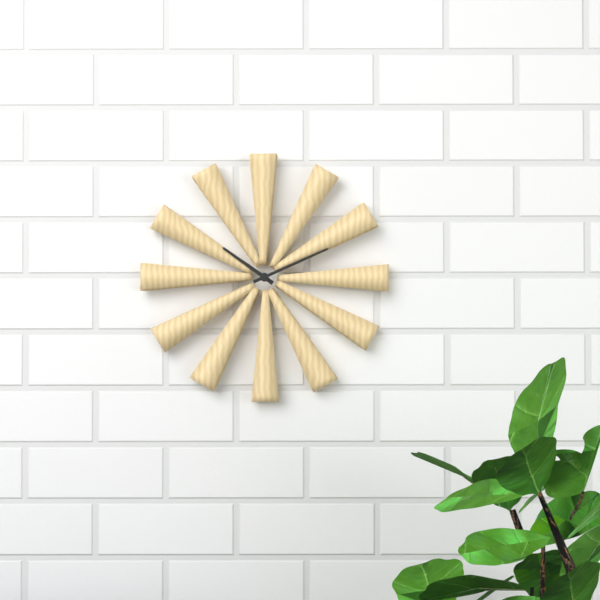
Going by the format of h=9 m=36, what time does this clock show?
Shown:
h=10 m=11
